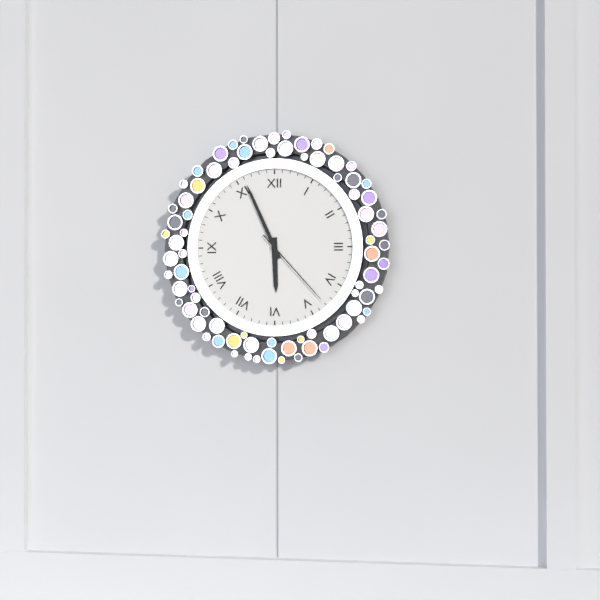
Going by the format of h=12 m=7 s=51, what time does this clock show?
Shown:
h=5 m=56 s=23
